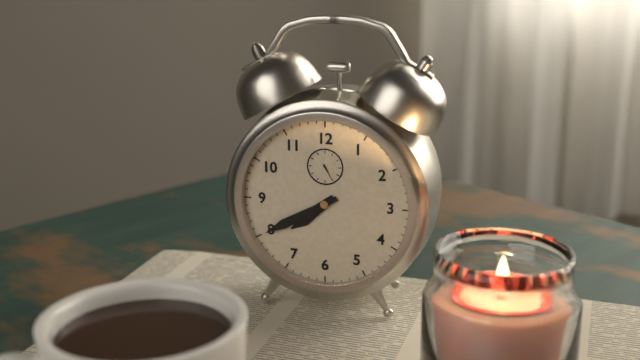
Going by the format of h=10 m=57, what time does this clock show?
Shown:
h=7 m=40
